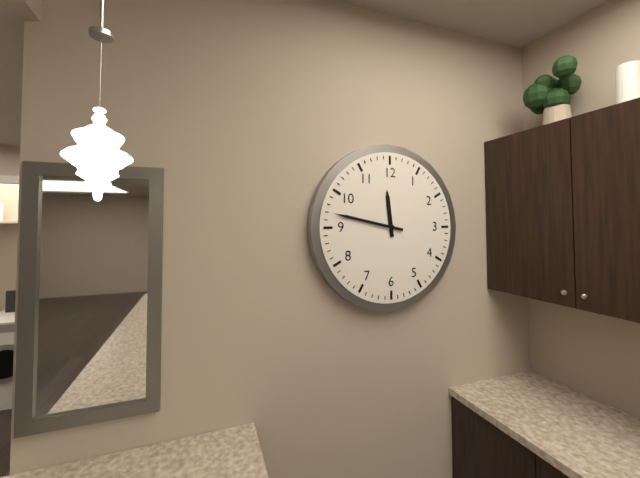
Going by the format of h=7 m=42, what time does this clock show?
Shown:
h=11 m=47
